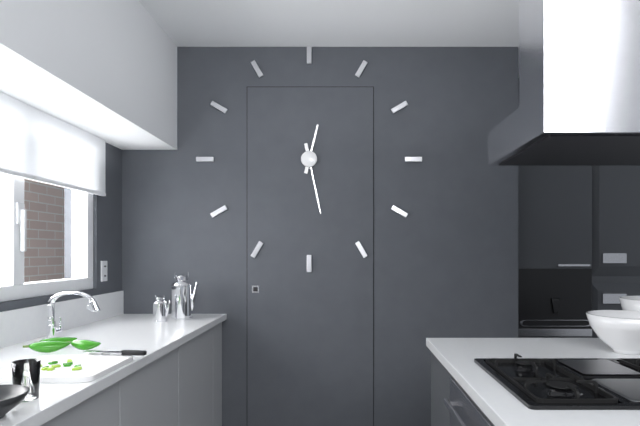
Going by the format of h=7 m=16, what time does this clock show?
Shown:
h=12 m=28
